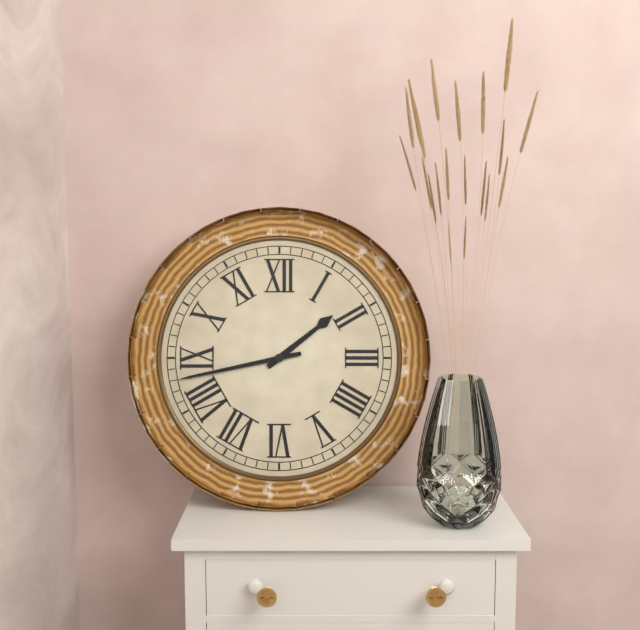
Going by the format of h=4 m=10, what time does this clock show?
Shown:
h=1 m=43
